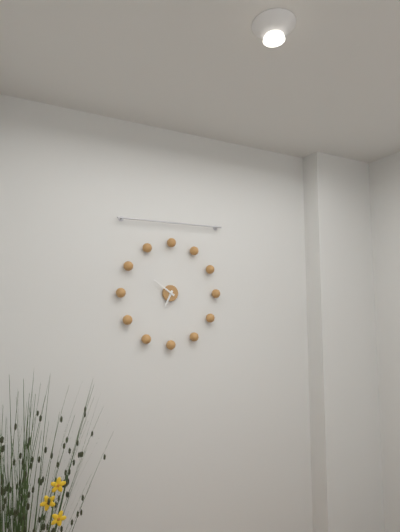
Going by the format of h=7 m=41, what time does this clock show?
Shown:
h=6 m=51
